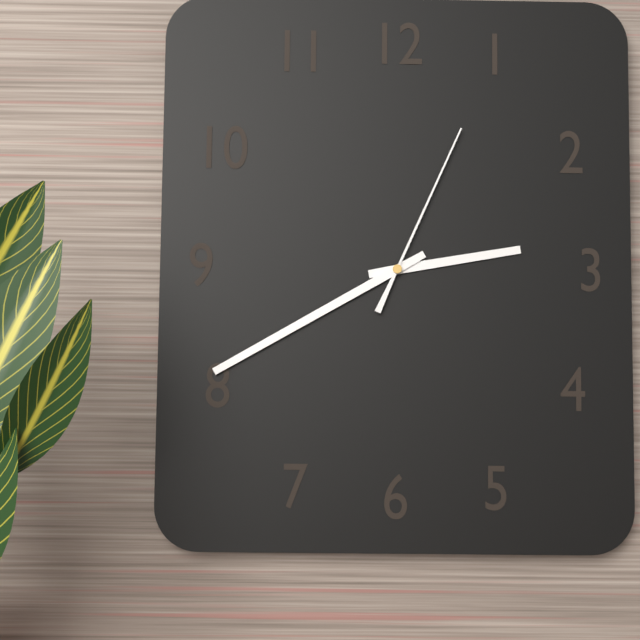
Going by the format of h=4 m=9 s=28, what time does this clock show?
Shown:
h=2 m=40 s=4
